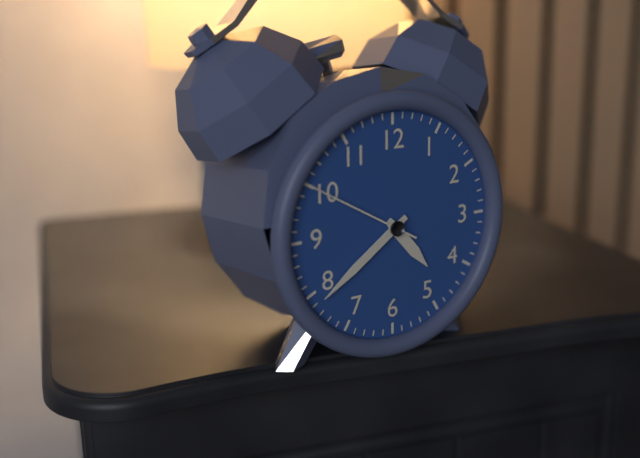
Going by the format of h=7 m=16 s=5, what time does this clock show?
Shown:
h=4 m=39 s=50
